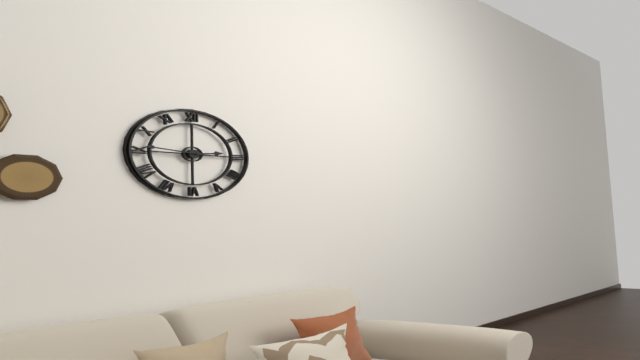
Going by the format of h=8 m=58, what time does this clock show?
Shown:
h=2 m=46
